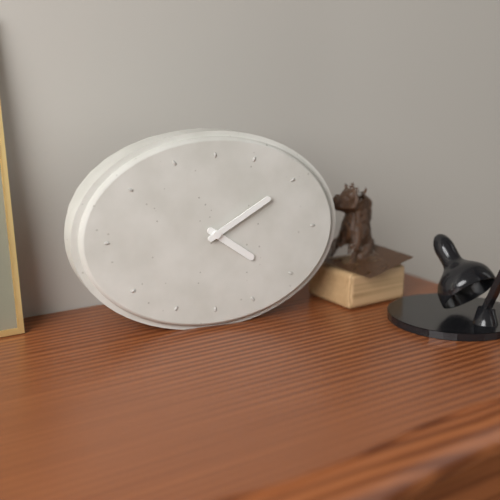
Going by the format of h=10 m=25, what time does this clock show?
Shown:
h=4 m=10
